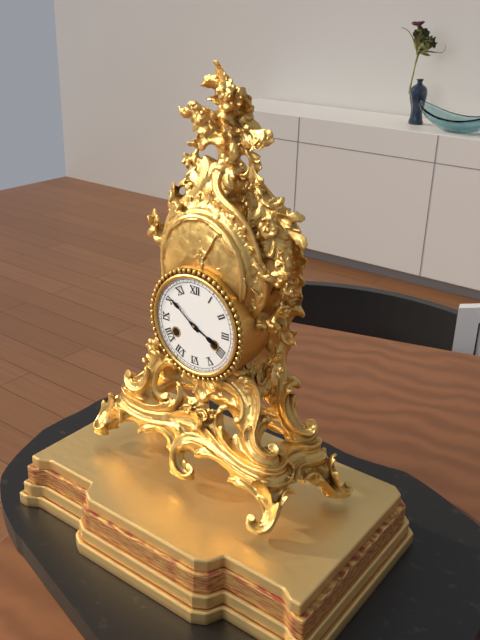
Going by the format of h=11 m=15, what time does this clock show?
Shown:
h=3 m=51
